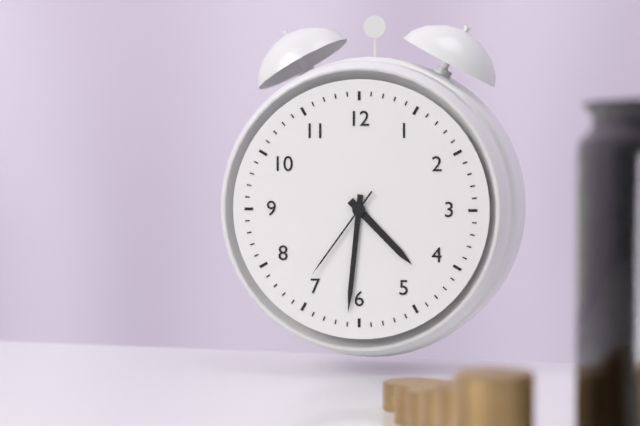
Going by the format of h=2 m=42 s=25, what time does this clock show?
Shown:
h=4 m=31 s=36
